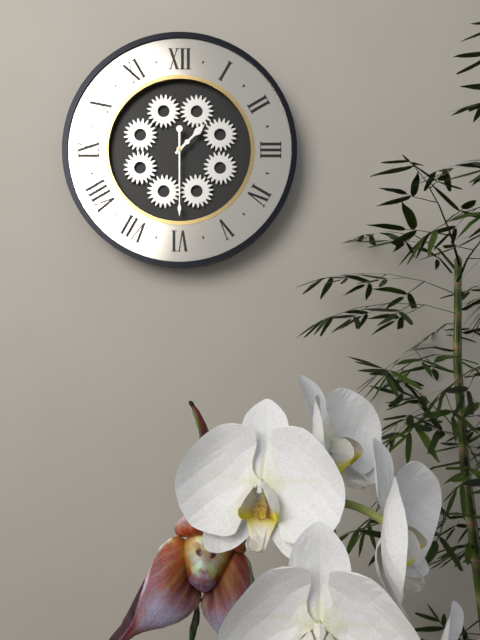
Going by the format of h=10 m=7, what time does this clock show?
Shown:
h=1 m=30
